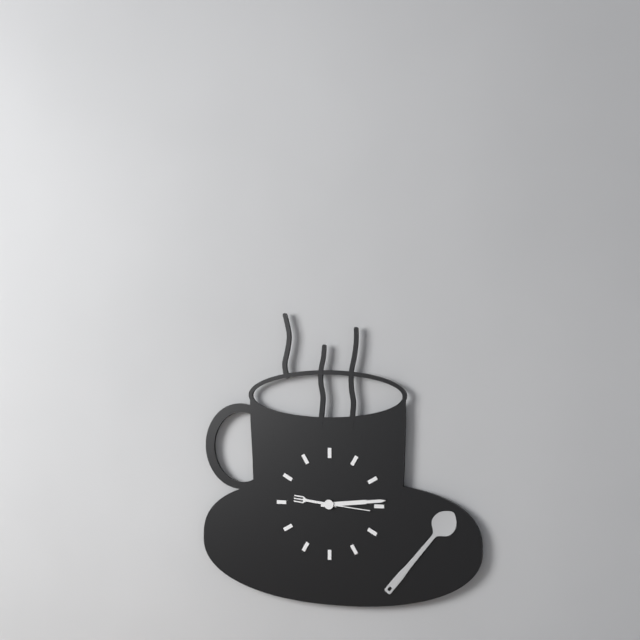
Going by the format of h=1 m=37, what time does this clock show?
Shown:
h=9 m=14
